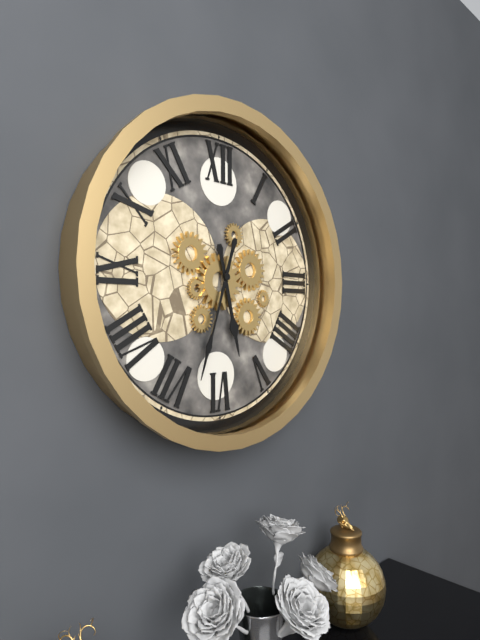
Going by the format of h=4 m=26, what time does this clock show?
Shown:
h=5 m=33
